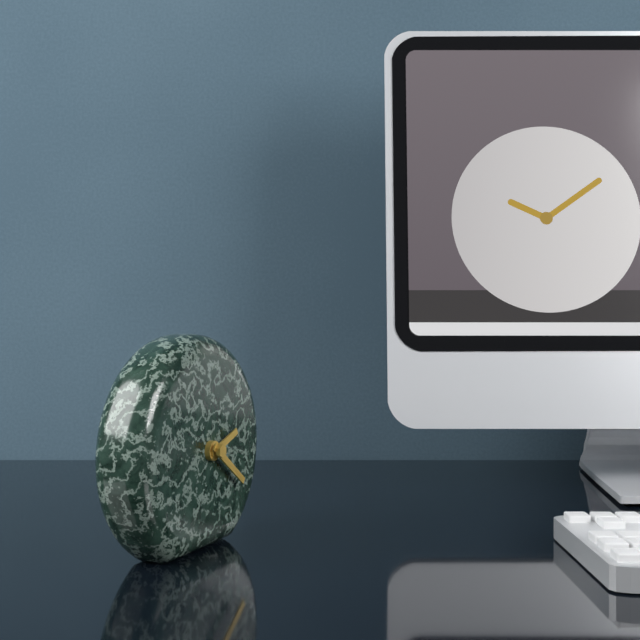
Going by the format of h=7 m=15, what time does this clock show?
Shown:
h=2 m=21
